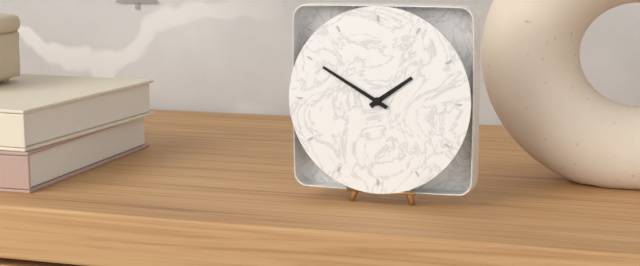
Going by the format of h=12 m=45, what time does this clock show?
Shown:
h=1 m=50
